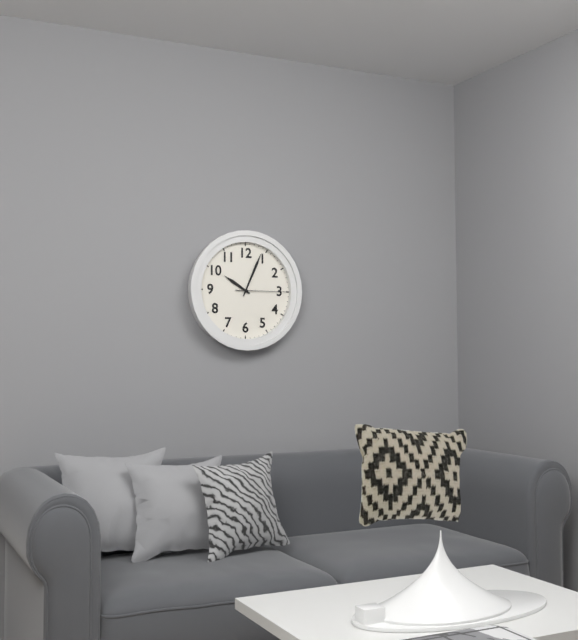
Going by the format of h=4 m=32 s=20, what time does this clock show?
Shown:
h=10 m=4 s=15
